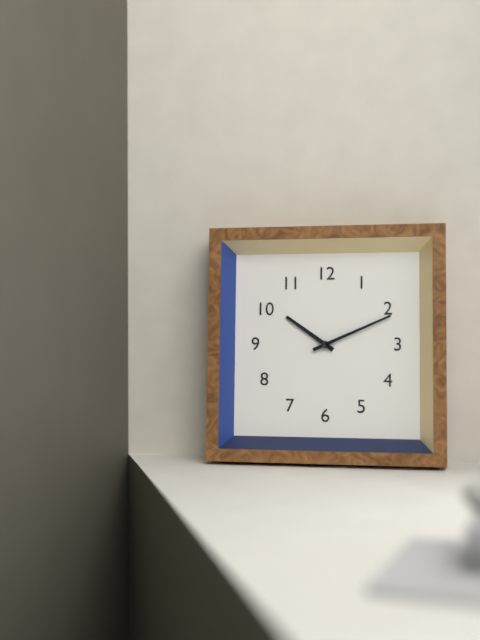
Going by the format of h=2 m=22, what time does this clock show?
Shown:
h=10 m=11
